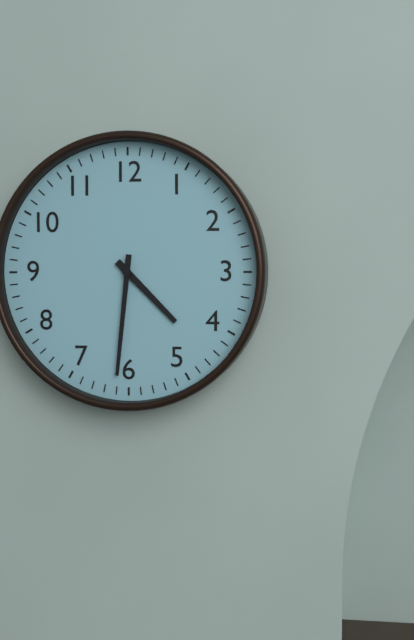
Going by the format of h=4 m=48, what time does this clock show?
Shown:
h=4 m=31
